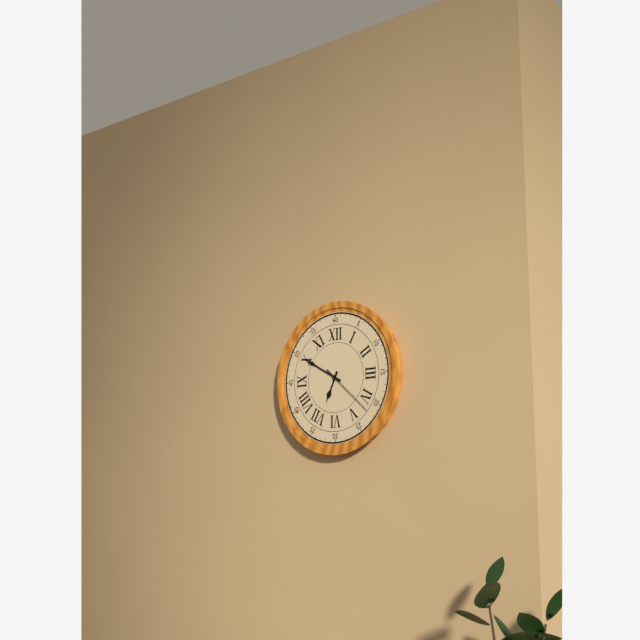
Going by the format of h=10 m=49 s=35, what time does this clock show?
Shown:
h=6 m=50 s=22
